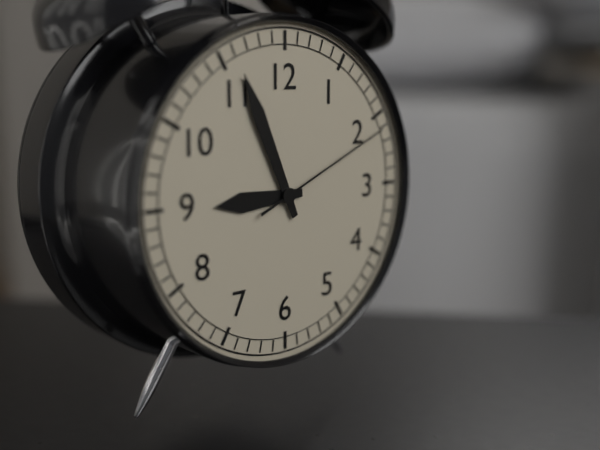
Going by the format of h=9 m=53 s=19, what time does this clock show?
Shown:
h=8 m=56 s=11
